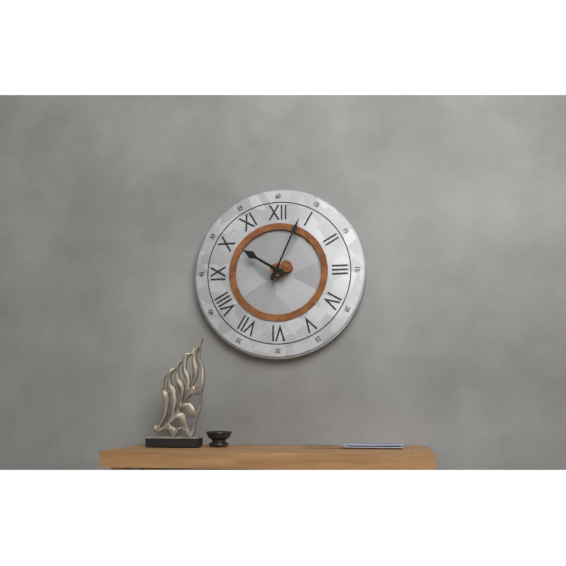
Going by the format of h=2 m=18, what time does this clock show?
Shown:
h=10 m=4
